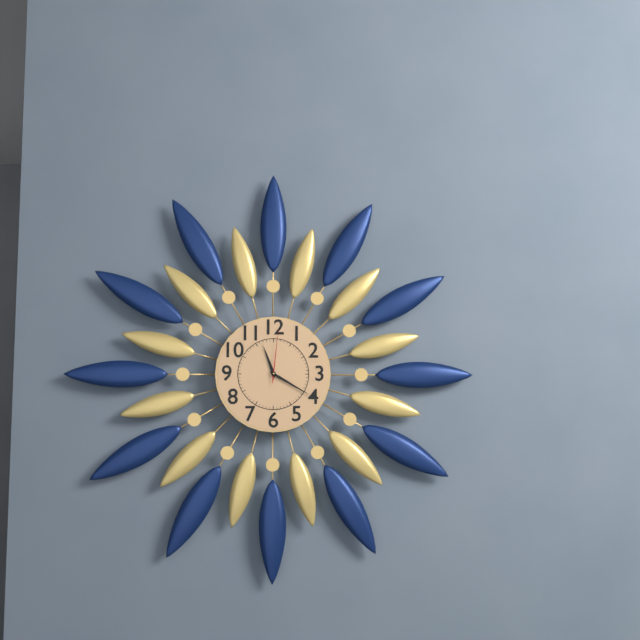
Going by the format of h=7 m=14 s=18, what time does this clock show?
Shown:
h=11 m=20 s=1
